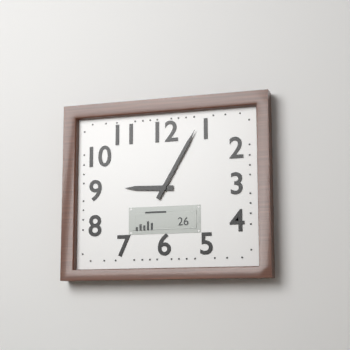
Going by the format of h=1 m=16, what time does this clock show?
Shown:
h=9 m=5
